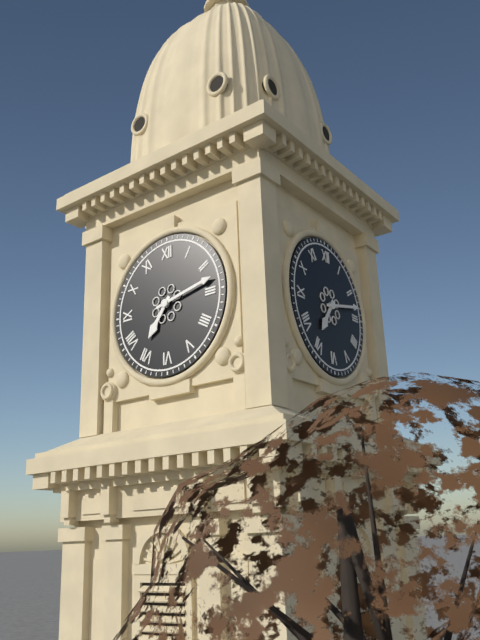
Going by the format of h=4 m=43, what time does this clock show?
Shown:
h=7 m=13
